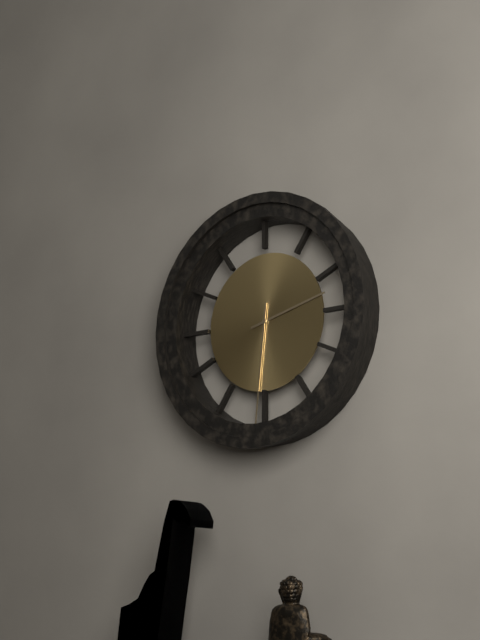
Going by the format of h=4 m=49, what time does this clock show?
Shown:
h=2 m=31
